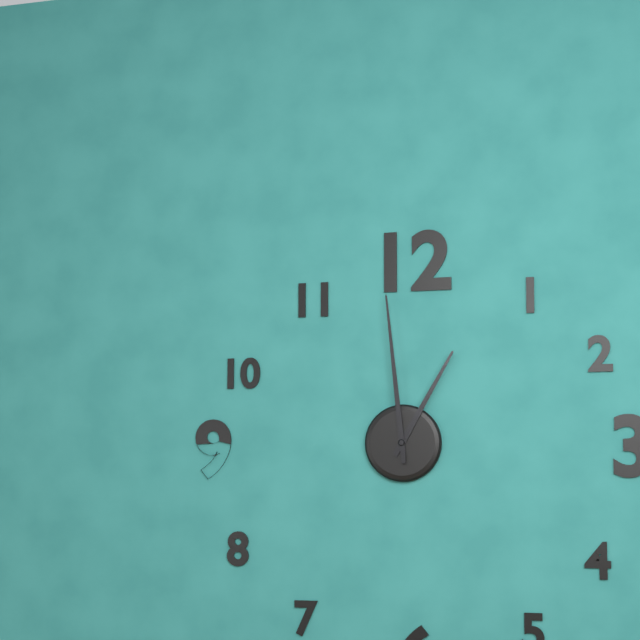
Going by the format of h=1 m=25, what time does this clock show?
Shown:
h=12 m=59
